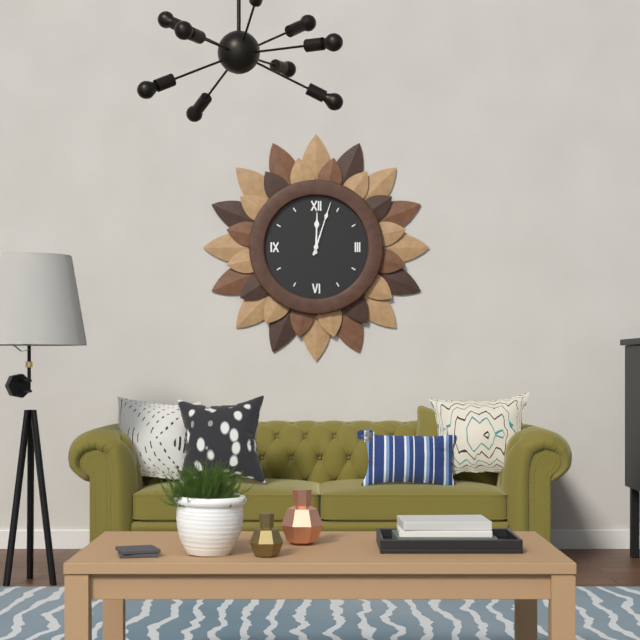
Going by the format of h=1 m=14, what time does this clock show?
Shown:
h=12 m=3
